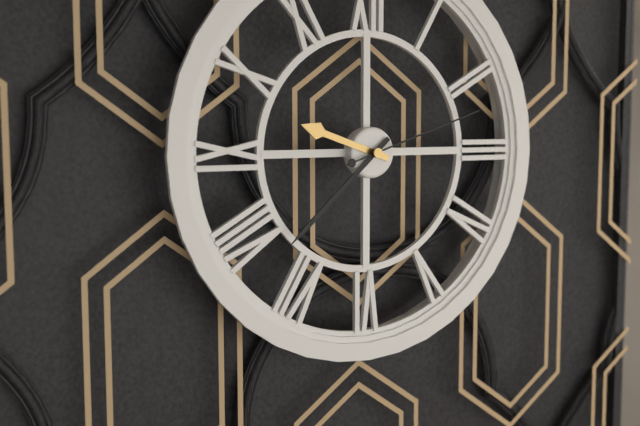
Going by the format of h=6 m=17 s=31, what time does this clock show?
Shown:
h=9 m=38 s=12
